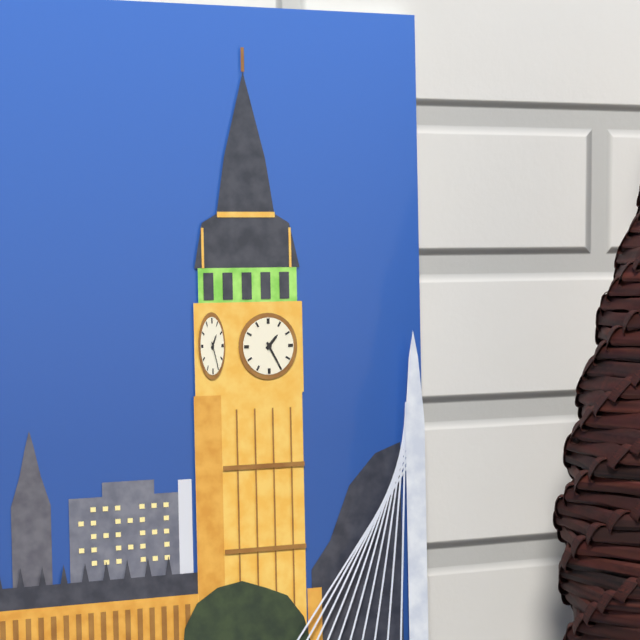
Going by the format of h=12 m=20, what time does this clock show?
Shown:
h=1 m=25
